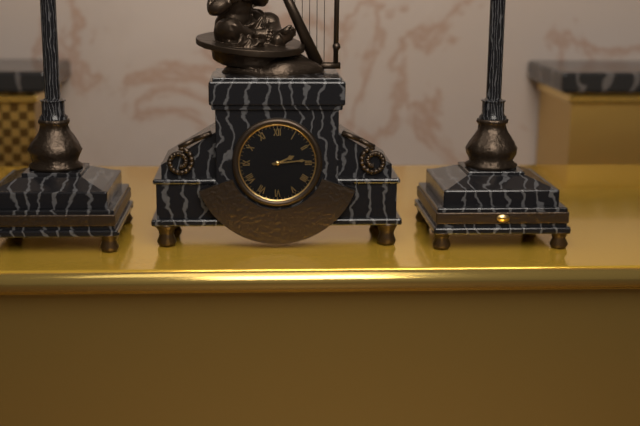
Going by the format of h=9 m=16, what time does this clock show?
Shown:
h=2 m=14
